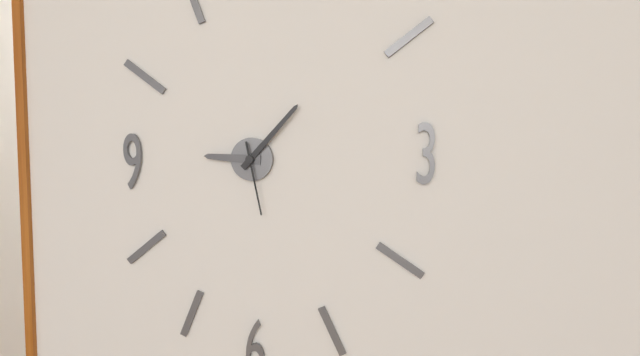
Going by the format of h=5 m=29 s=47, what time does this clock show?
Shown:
h=9 m=7 s=28
